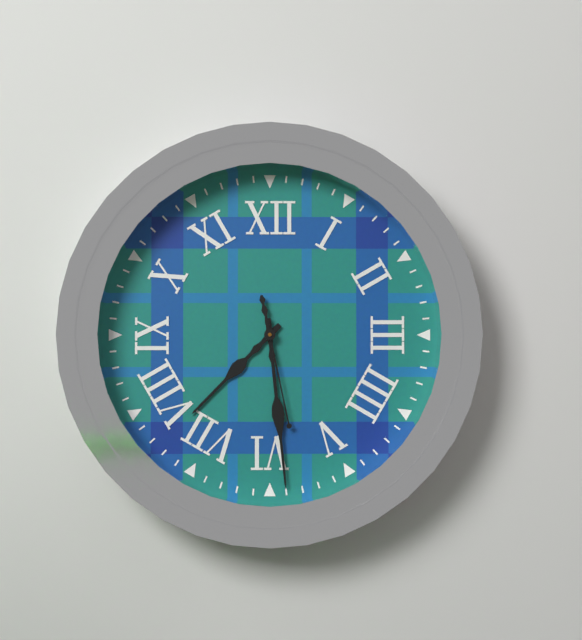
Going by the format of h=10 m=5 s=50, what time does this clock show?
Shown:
h=7 m=29 s=28
